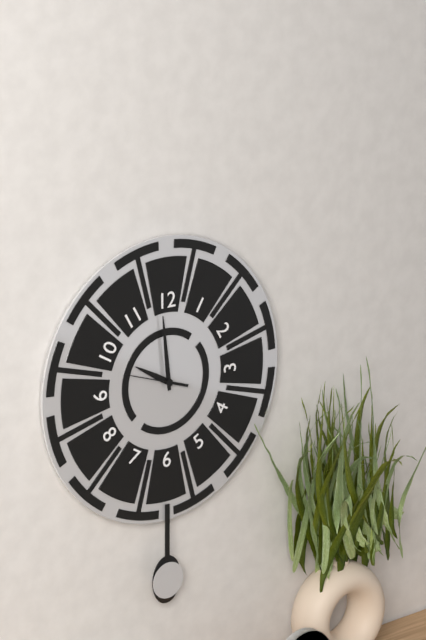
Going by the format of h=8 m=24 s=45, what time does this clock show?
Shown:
h=9 m=59 s=48
